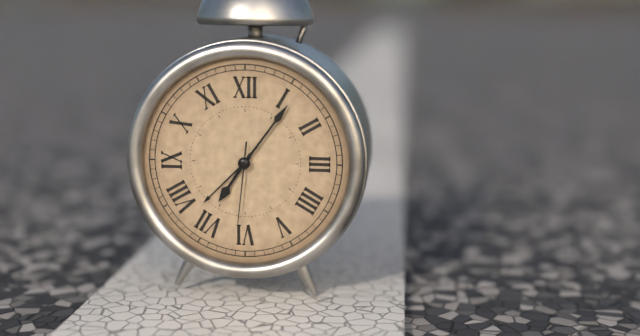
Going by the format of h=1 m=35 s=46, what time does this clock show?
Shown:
h=7 m=6 s=31
